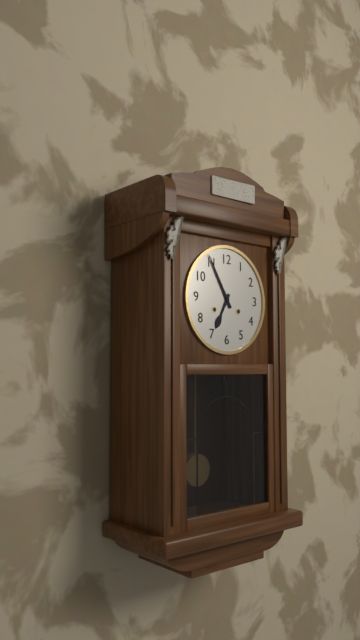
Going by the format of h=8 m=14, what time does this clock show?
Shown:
h=6 m=55
